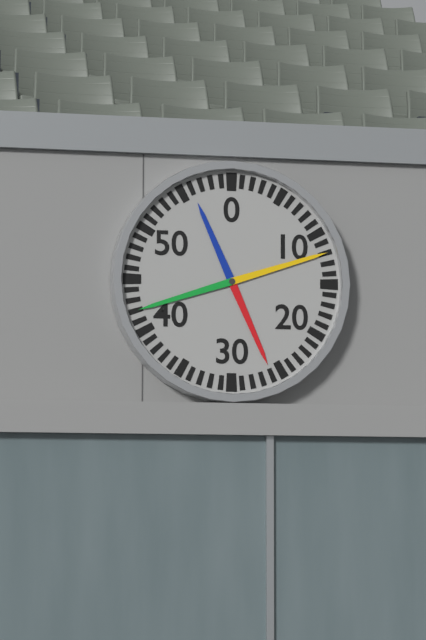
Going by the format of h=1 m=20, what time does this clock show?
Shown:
h=5 m=12
